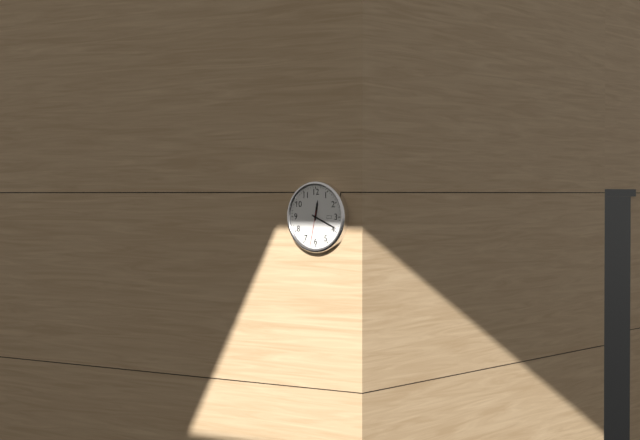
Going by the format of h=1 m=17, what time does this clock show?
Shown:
h=12 m=19
